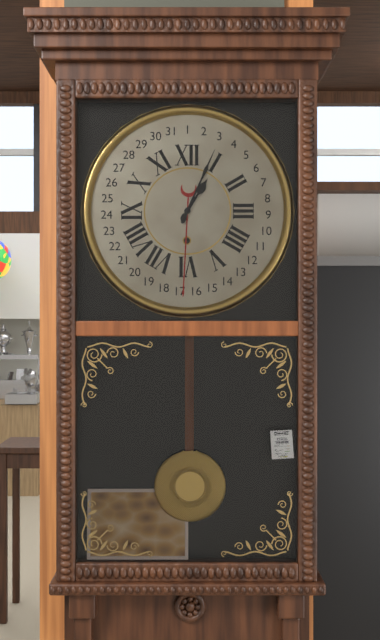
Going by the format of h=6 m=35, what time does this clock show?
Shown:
h=1 m=4
